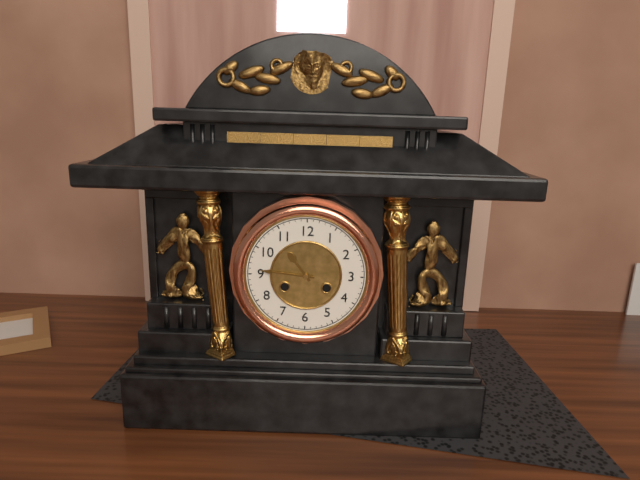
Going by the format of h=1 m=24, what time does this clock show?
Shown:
h=10 m=46
